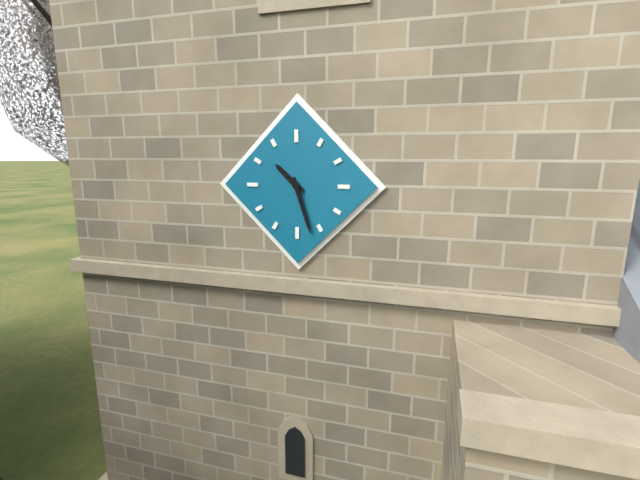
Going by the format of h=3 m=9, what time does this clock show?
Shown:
h=10 m=27
